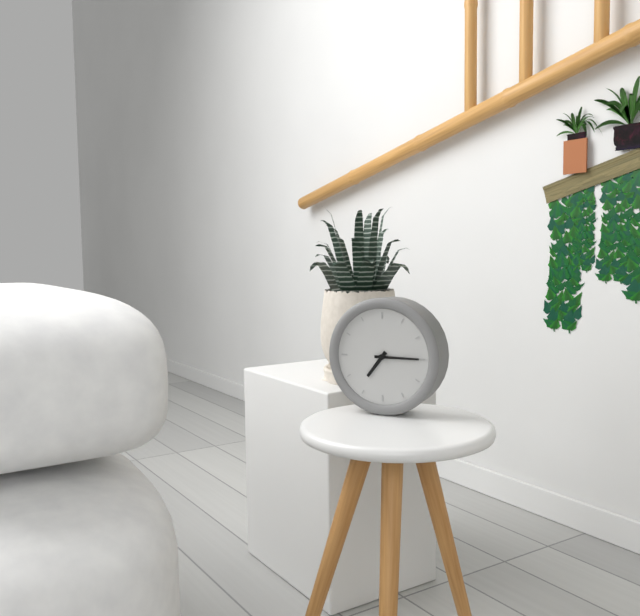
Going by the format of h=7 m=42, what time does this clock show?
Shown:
h=7 m=15
